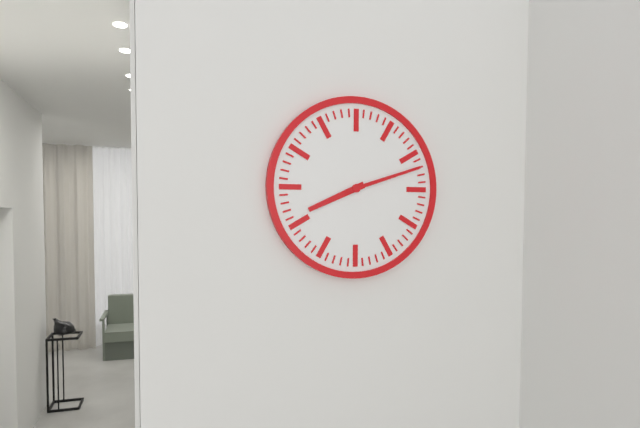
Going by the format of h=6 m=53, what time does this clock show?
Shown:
h=8 m=12
